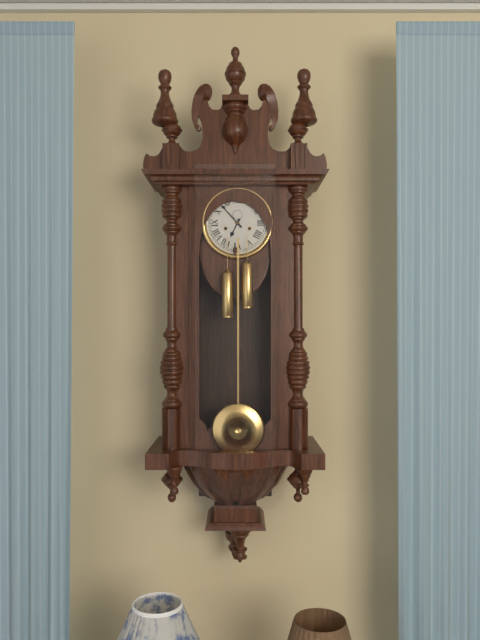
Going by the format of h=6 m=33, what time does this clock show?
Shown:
h=6 m=53
